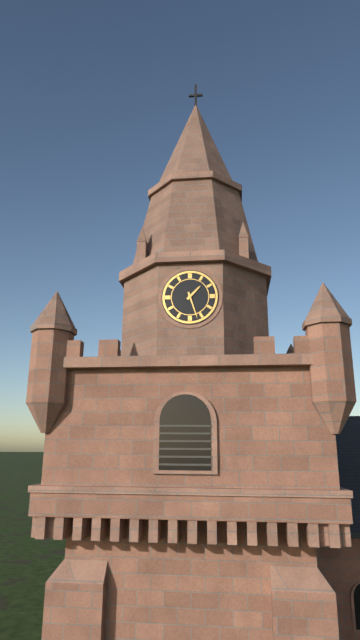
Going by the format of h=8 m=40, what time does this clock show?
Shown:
h=1 m=27
